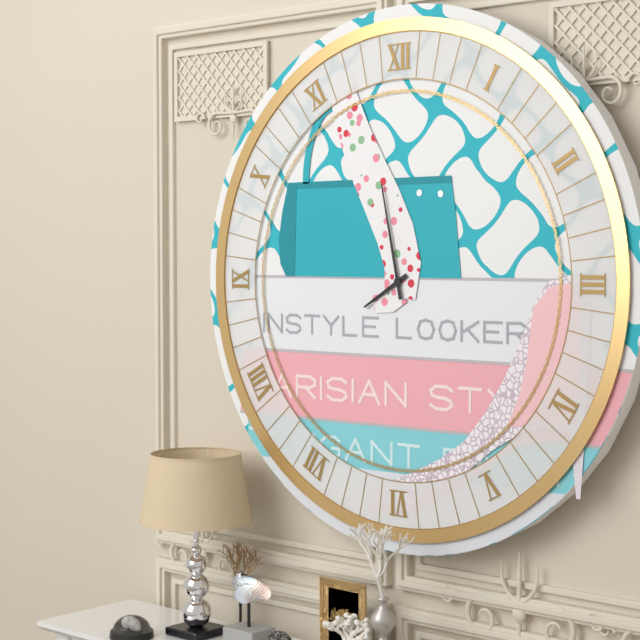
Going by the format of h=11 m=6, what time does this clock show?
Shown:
h=7 m=58
